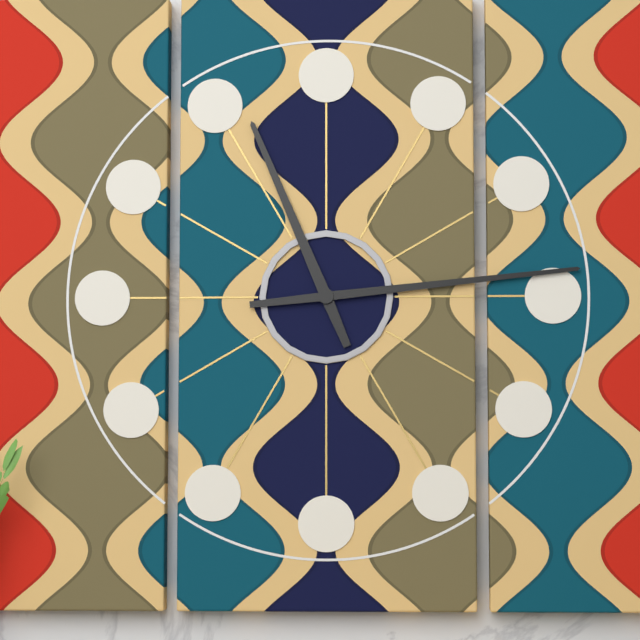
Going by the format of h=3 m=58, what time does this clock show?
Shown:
h=11 m=14
